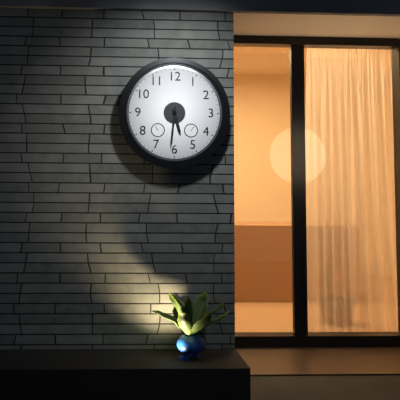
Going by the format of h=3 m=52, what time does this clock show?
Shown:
h=5 m=31
